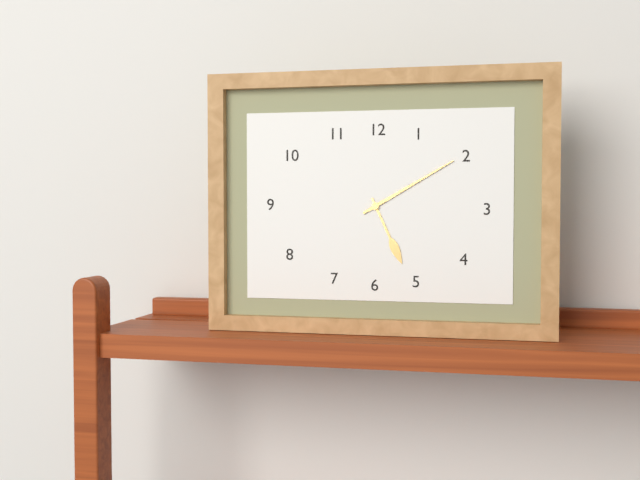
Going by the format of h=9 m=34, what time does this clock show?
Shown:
h=5 m=10
